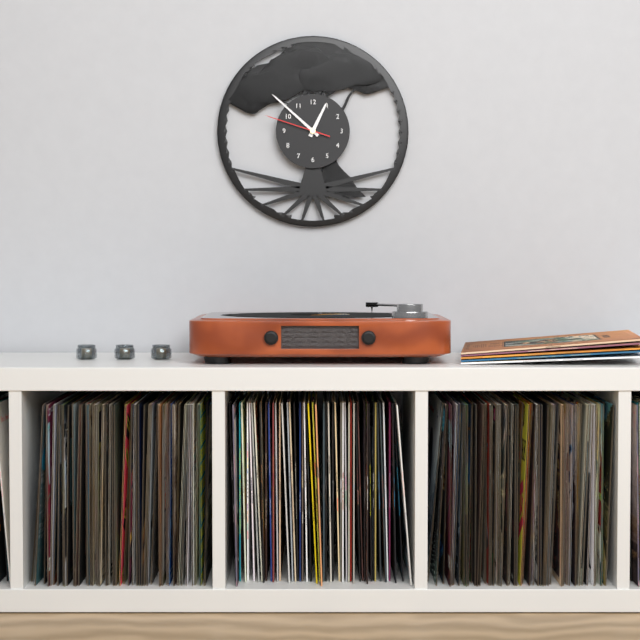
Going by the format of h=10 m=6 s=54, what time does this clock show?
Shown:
h=12 m=52 s=48
